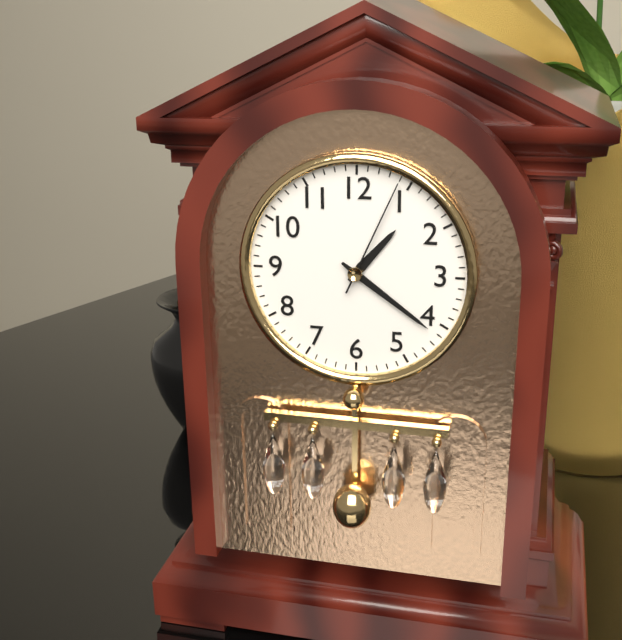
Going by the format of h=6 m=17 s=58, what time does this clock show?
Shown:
h=1 m=21 s=4
